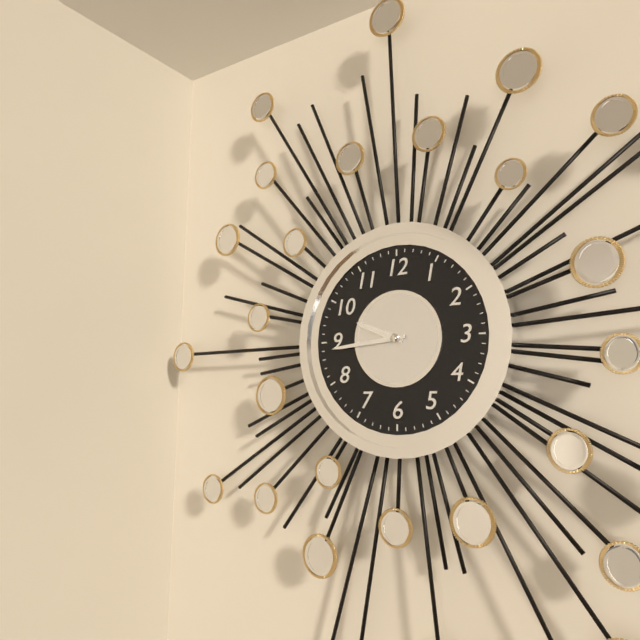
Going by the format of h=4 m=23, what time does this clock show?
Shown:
h=9 m=44
